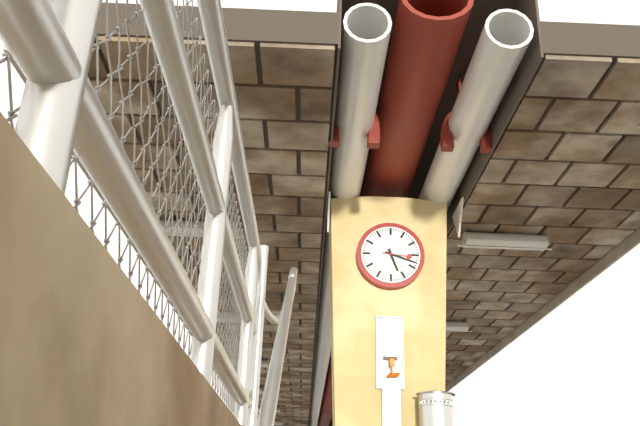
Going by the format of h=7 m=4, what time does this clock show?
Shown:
h=5 m=18
